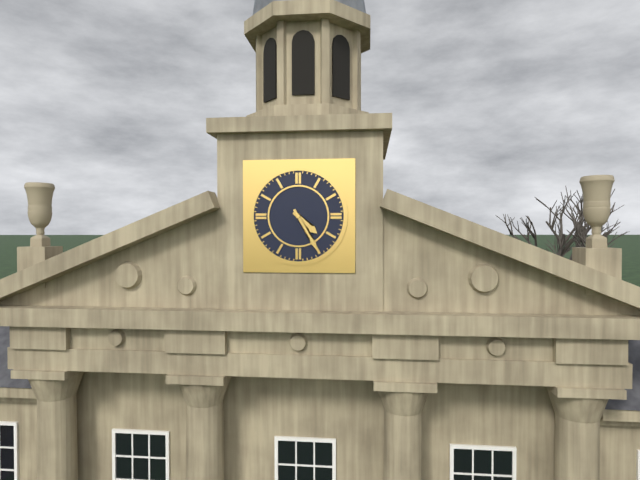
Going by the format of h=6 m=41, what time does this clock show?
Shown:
h=4 m=25
